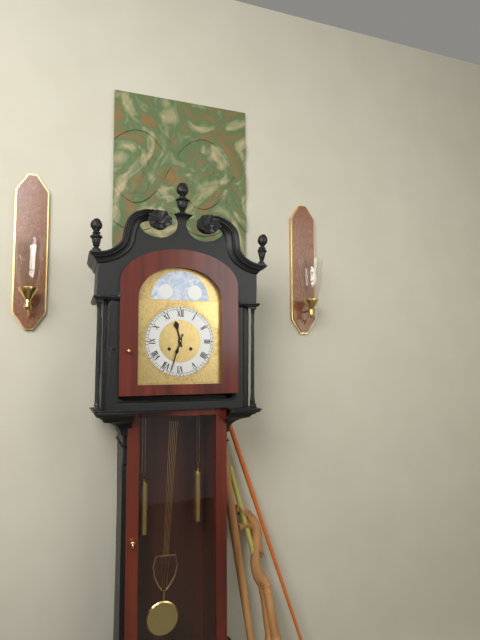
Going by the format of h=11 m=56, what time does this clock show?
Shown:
h=11 m=33
